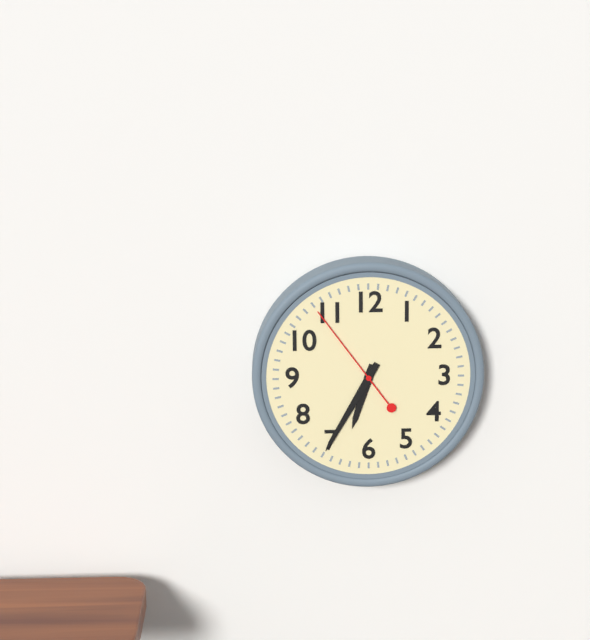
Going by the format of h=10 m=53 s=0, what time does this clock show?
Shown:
h=6 m=35 s=54
